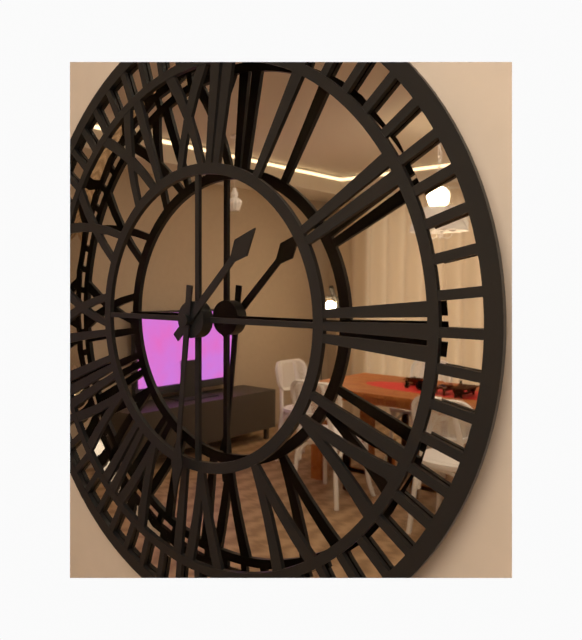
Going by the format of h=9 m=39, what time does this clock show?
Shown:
h=1 m=31
